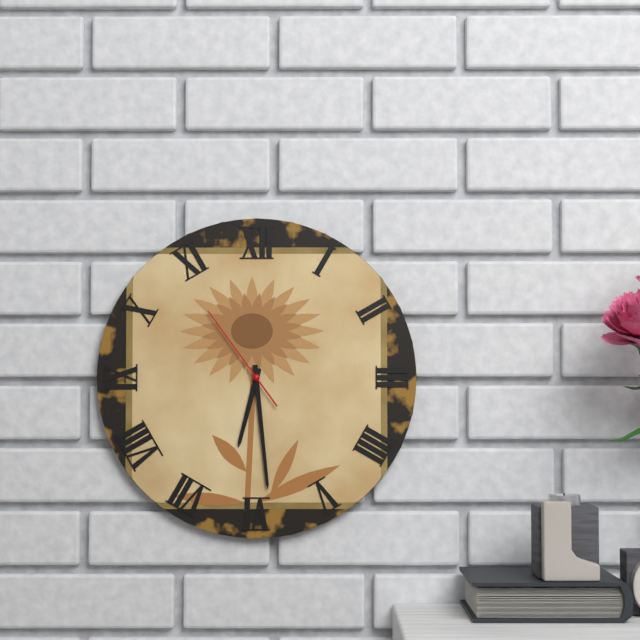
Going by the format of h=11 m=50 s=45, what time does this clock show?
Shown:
h=6 m=29 s=54
